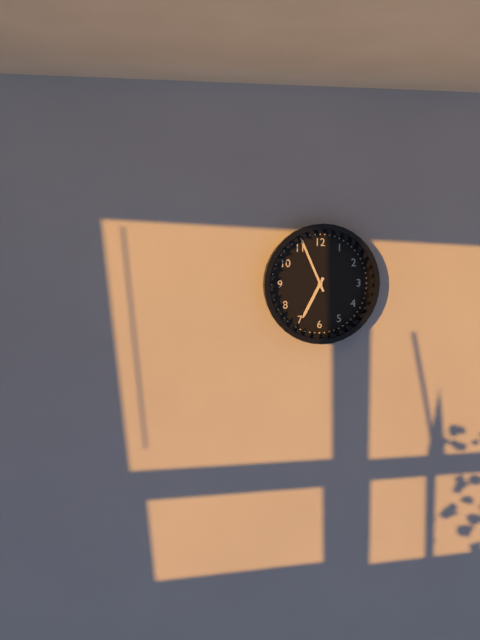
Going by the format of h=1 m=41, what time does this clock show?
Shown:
h=6 m=56
